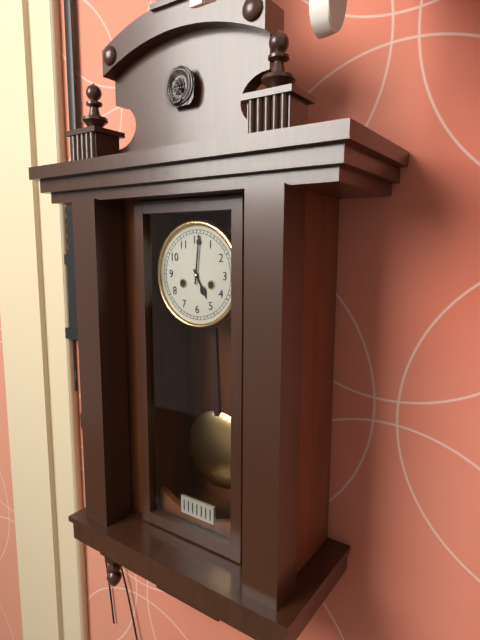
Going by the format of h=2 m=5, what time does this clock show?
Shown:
h=5 m=1
